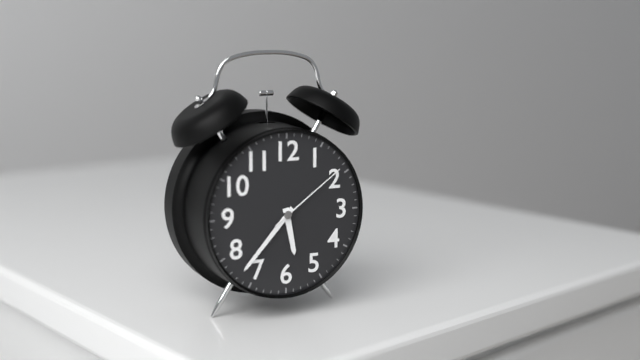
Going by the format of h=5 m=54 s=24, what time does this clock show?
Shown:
h=5 m=37 s=9
